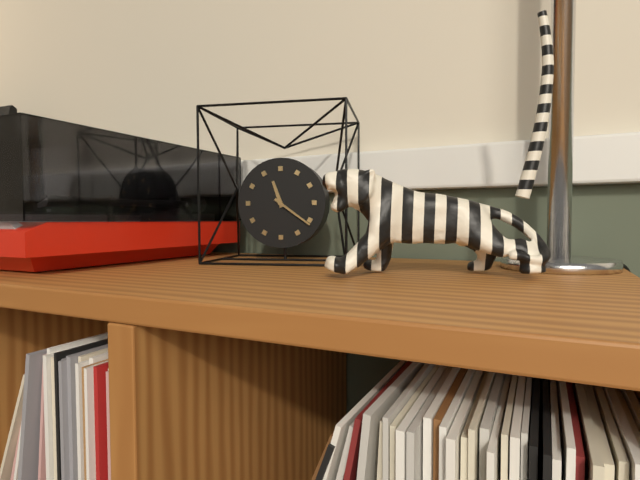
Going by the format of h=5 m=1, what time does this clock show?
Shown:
h=11 m=21
